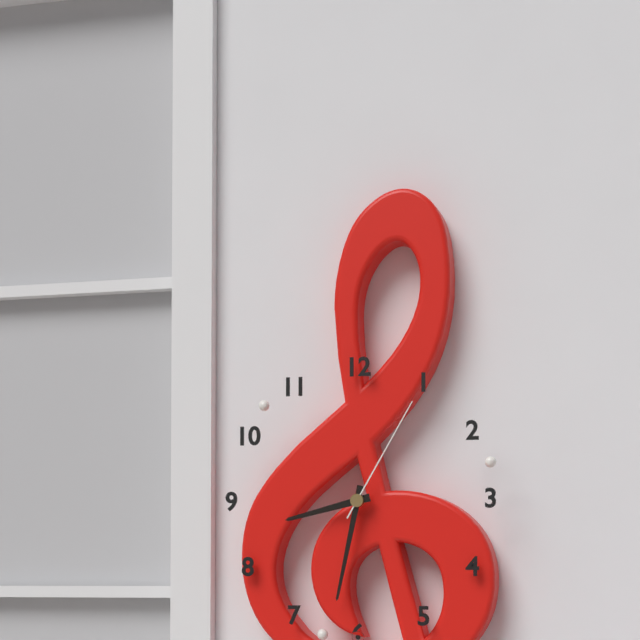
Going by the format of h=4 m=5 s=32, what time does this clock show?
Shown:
h=8 m=32 s=5
